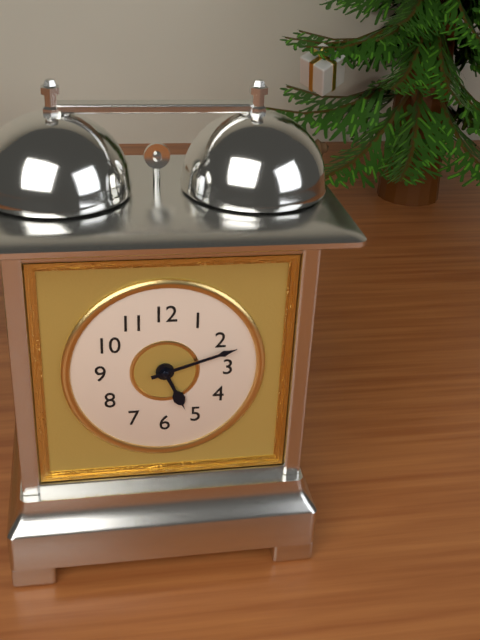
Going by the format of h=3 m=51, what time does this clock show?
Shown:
h=5 m=12
